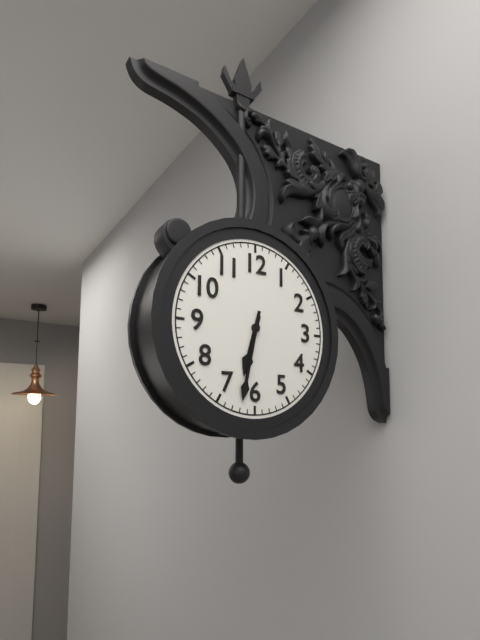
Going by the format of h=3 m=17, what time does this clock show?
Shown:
h=6 m=32
